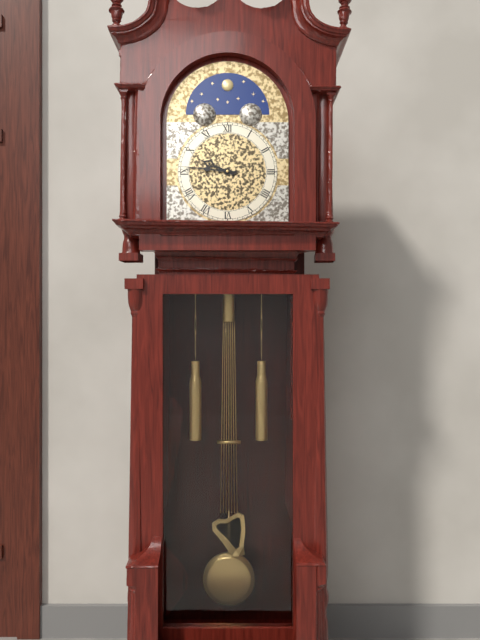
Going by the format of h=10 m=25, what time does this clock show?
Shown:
h=9 m=46
